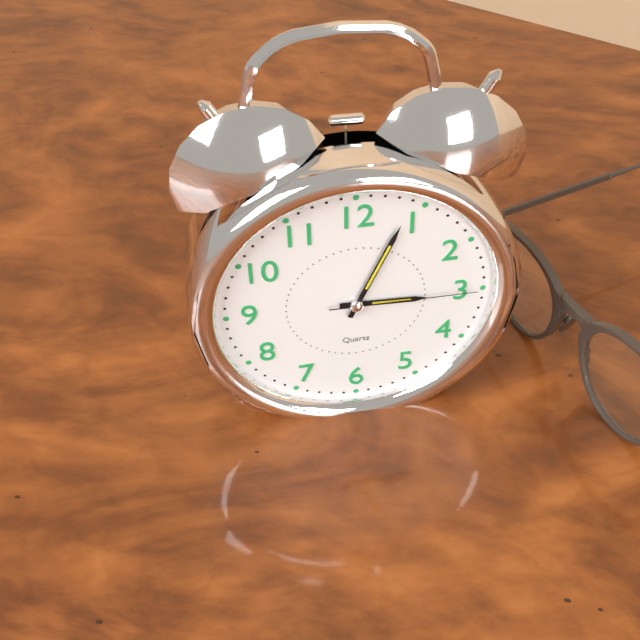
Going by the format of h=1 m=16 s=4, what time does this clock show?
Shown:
h=3 m=4 s=15
